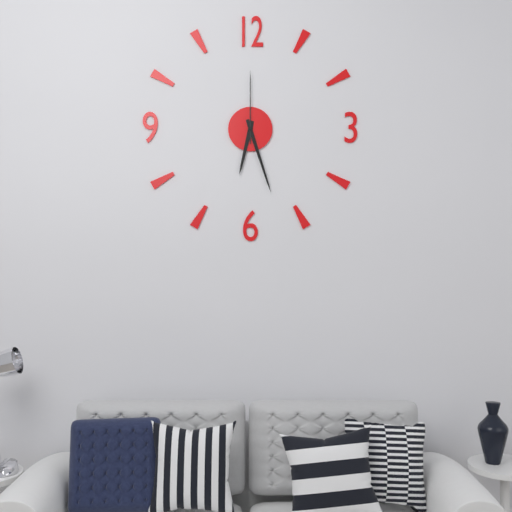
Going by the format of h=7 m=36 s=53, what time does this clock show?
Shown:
h=6 m=27 s=0
